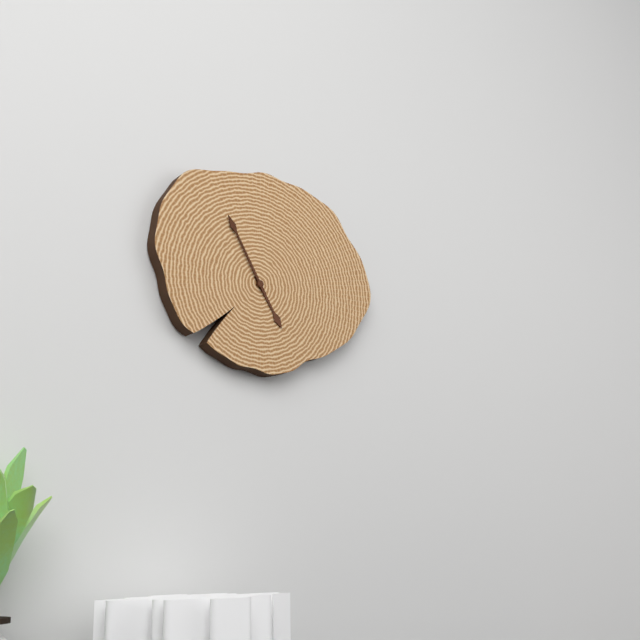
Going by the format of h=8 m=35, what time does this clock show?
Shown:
h=4 m=55
